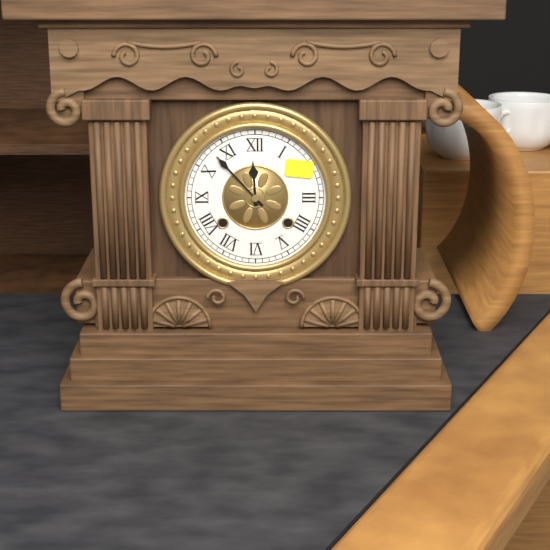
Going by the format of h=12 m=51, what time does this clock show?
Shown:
h=11 m=53
